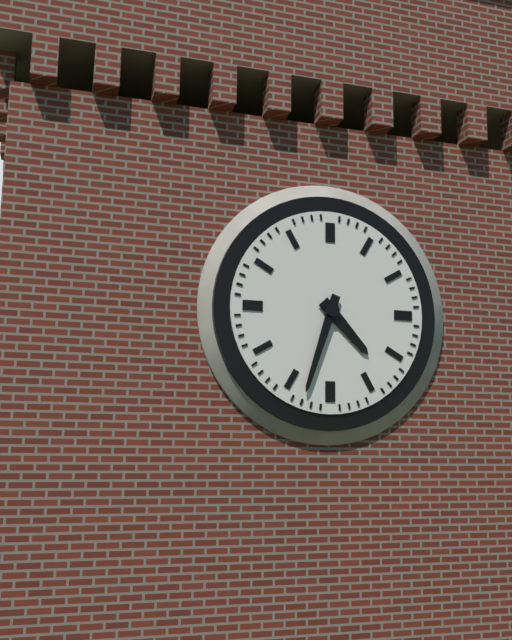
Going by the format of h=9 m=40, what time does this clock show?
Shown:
h=4 m=33
